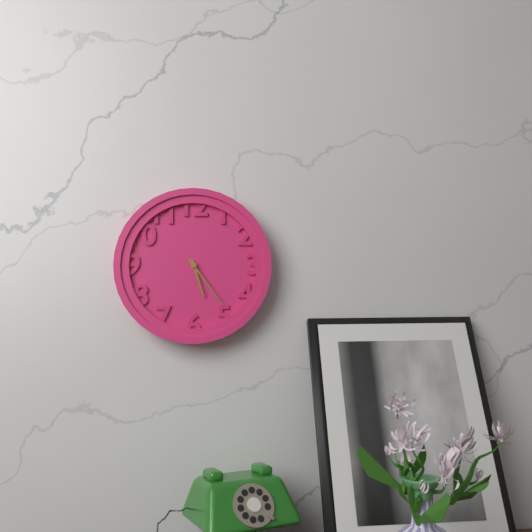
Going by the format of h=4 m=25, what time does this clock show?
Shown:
h=5 m=24
